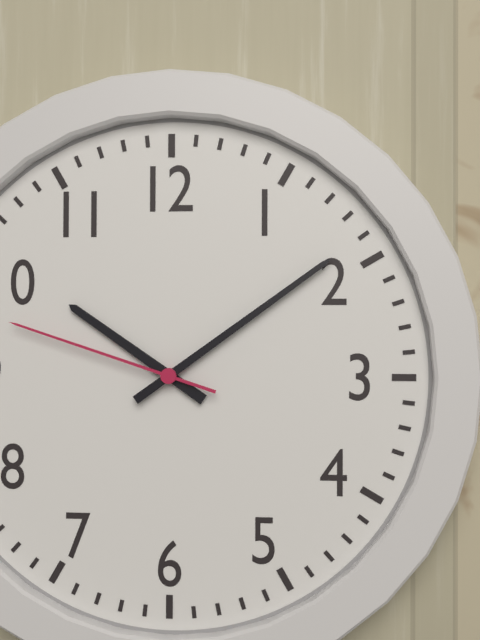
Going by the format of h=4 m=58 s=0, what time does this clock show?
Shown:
h=10 m=9 s=48
